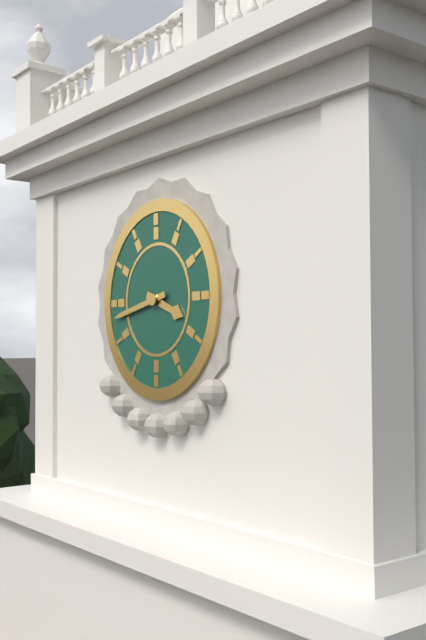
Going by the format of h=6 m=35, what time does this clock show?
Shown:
h=3 m=43
